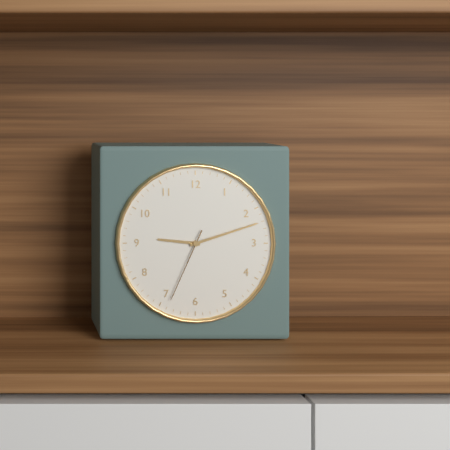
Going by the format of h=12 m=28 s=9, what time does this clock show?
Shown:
h=9 m=12 s=34
